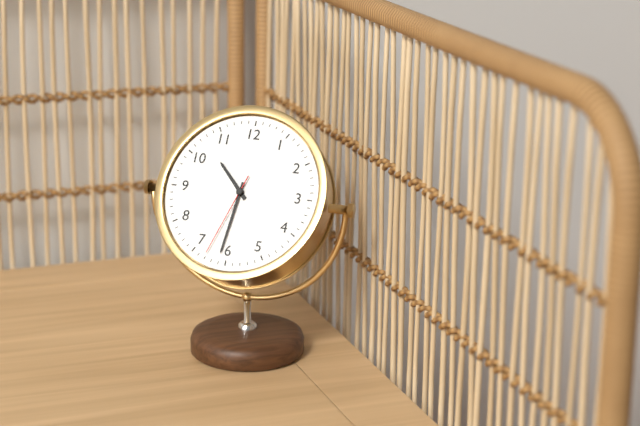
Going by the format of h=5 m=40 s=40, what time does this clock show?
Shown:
h=10 m=31 s=33
